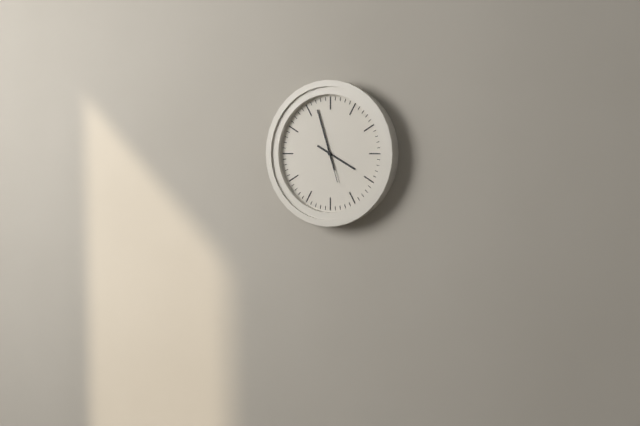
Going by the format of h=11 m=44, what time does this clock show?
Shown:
h=3 m=57
